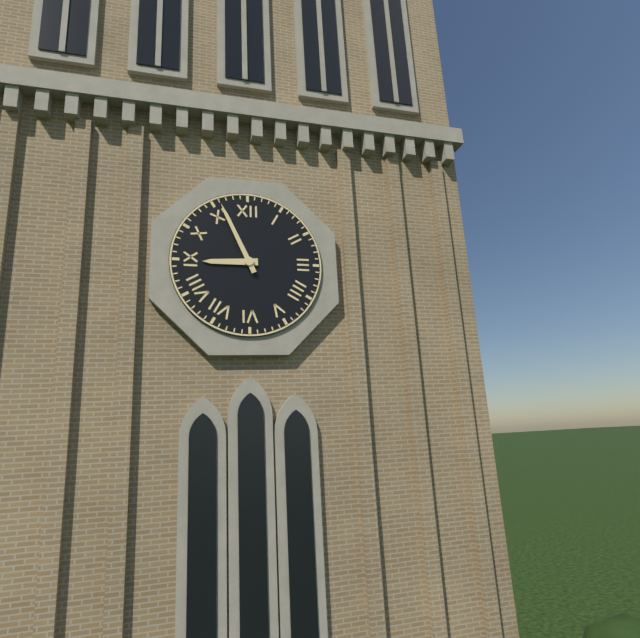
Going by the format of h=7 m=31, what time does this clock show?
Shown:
h=8 m=56
